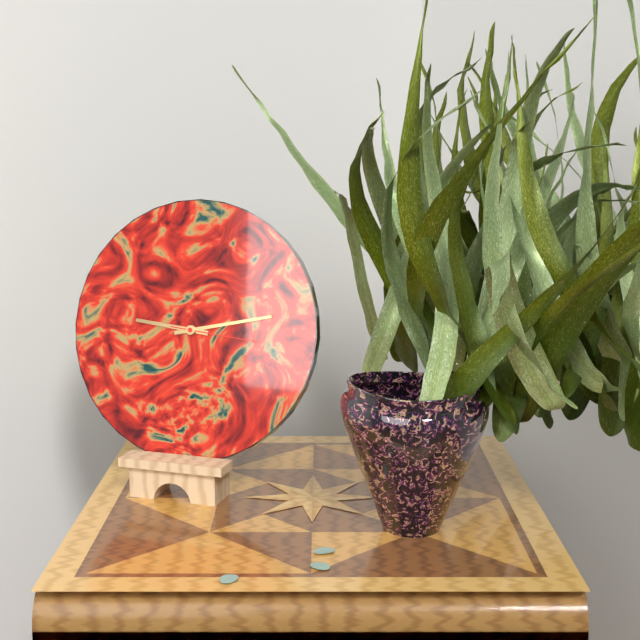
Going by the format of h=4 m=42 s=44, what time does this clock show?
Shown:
h=9 m=13 s=16
